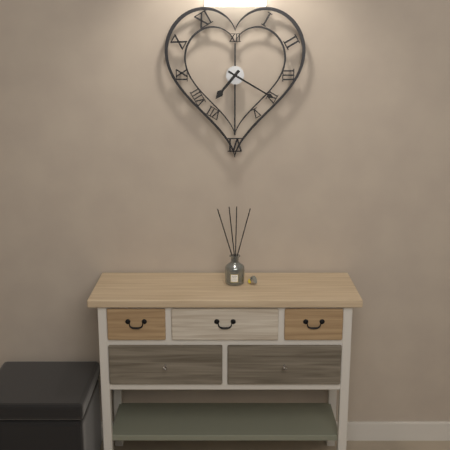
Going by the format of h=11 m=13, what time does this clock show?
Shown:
h=7 m=20
